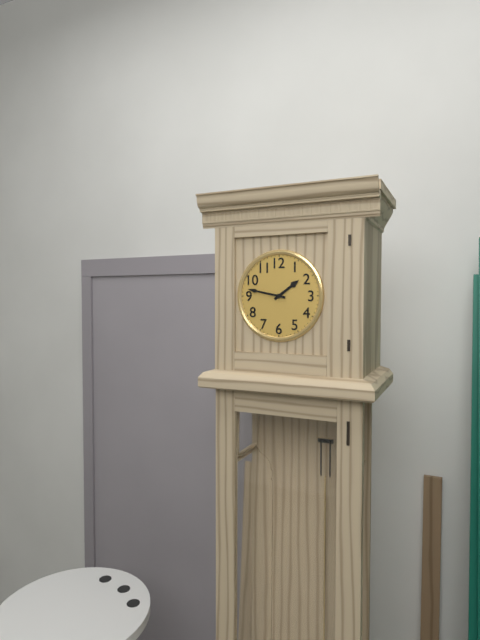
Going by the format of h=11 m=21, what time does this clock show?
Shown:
h=1 m=47
